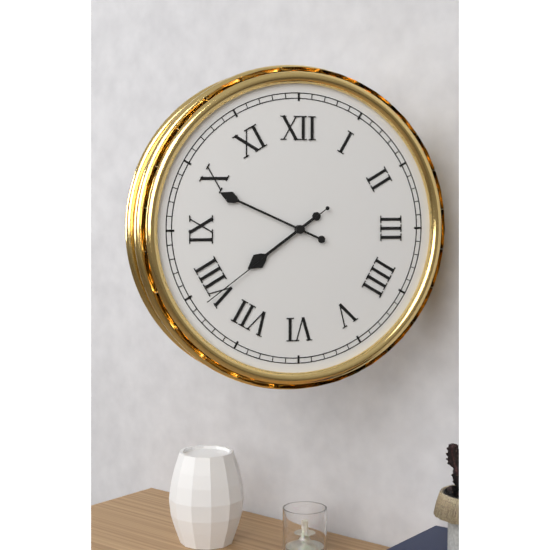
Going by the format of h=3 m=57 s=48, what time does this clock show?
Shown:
h=7 m=49 s=39
